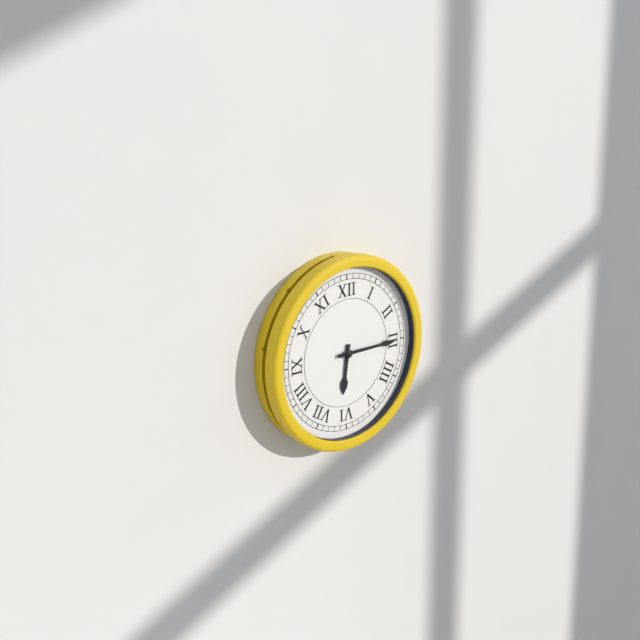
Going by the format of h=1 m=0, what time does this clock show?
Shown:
h=6 m=15
